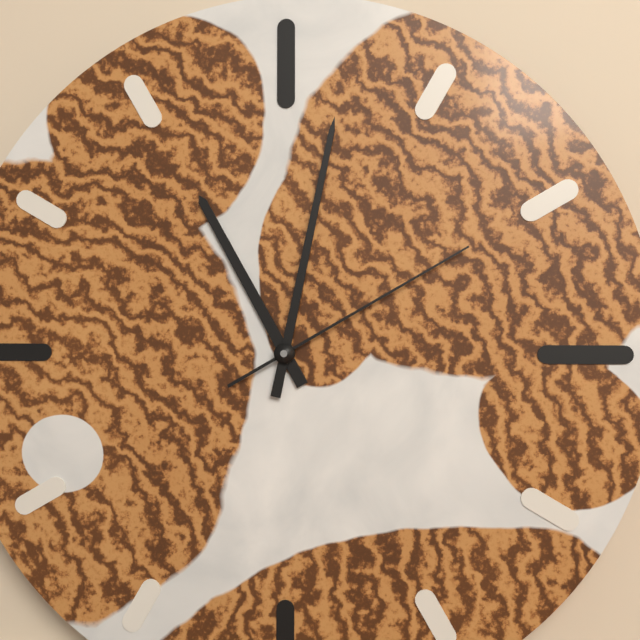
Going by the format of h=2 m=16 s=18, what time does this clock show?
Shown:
h=11 m=2 s=10
